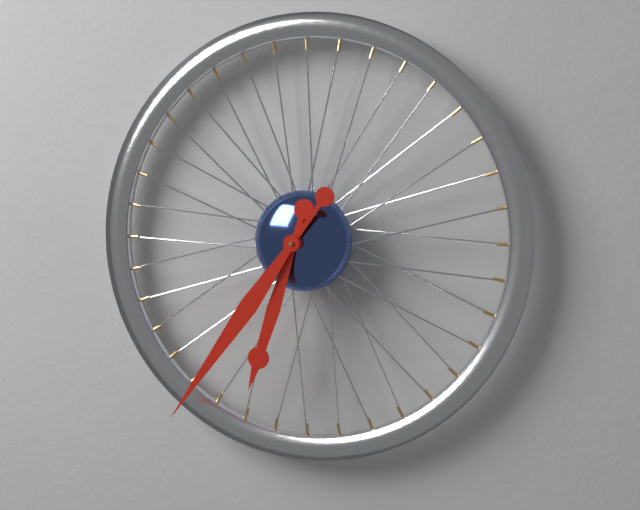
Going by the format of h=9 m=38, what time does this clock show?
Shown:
h=6 m=36
